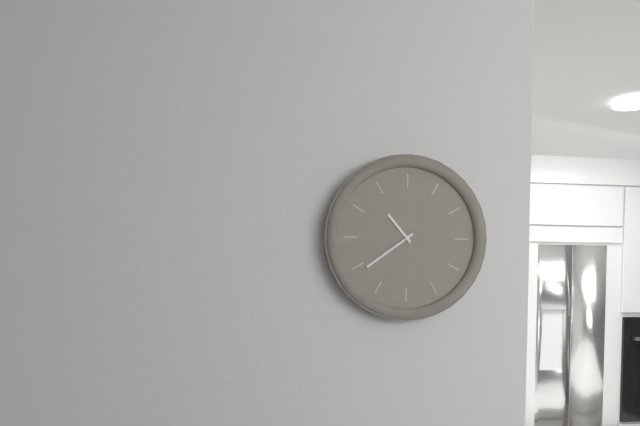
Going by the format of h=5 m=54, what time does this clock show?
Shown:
h=10 m=39
